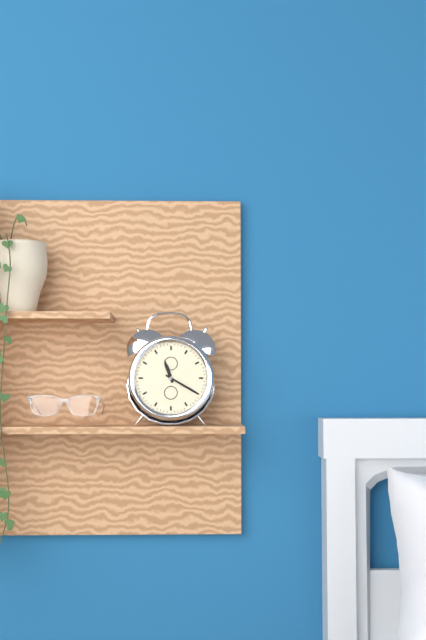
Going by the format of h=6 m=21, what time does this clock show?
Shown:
h=11 m=20
